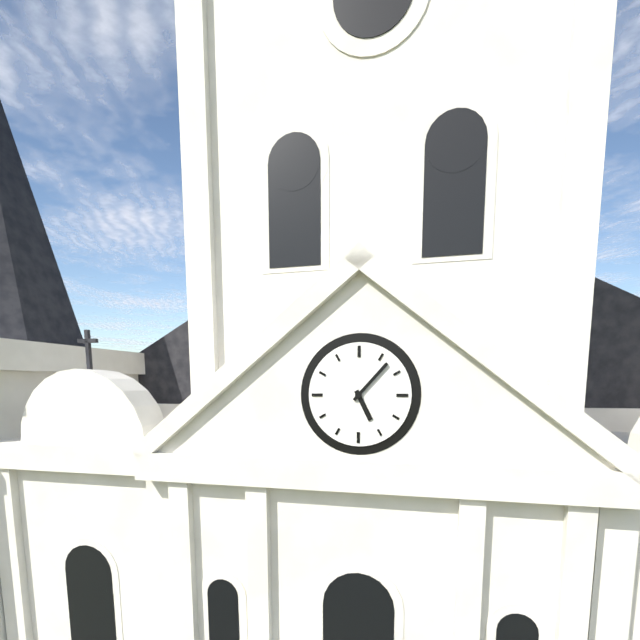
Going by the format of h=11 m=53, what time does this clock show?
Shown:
h=5 m=7
